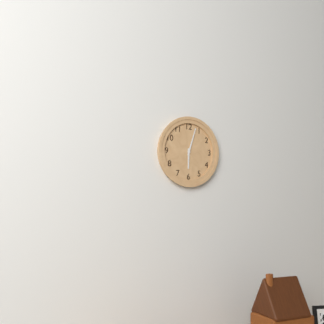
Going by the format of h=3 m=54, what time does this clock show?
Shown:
h=6 m=3
